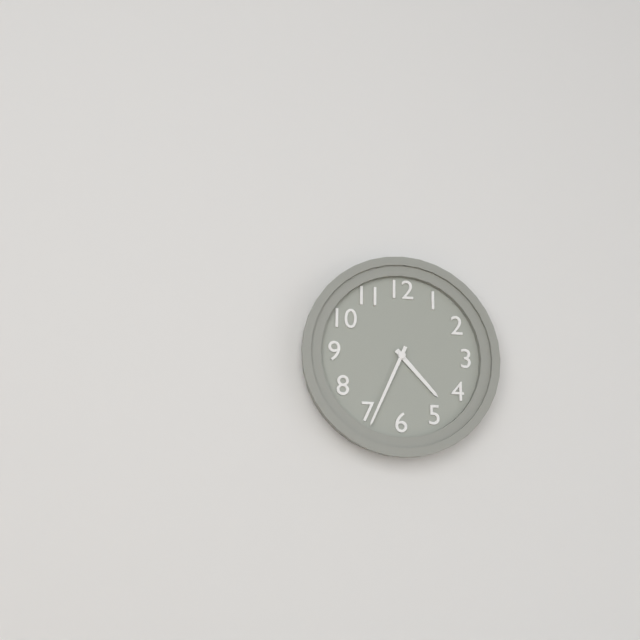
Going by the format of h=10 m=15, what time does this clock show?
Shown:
h=4 m=34
